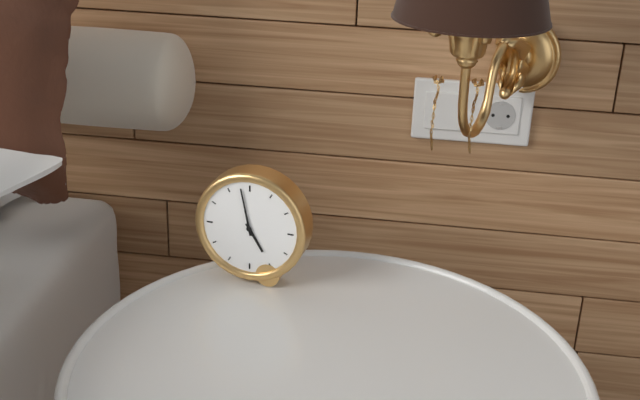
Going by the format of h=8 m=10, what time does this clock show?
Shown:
h=4 m=58
